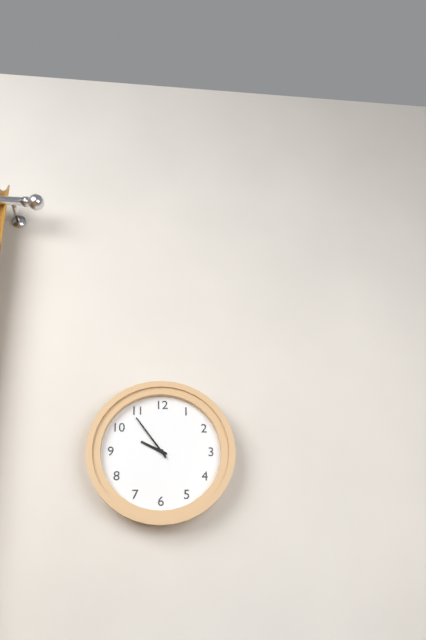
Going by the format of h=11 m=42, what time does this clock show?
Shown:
h=9 m=54
